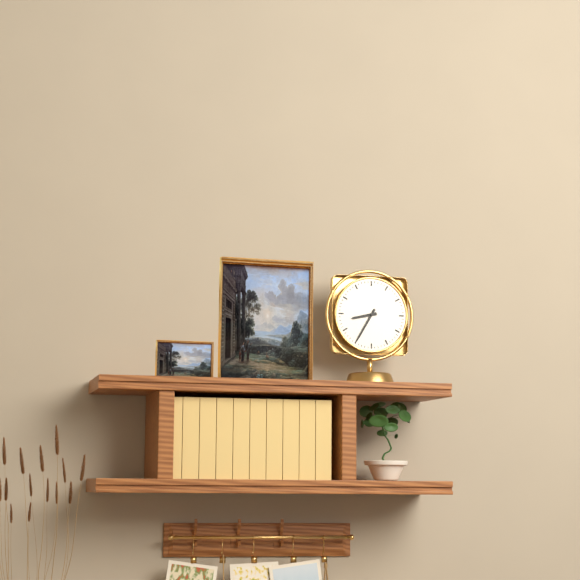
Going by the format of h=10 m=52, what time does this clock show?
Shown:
h=8 m=35
